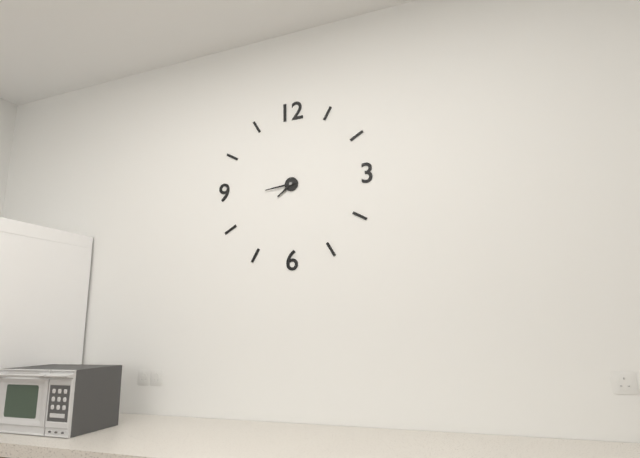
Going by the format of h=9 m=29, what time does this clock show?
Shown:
h=7 m=44
